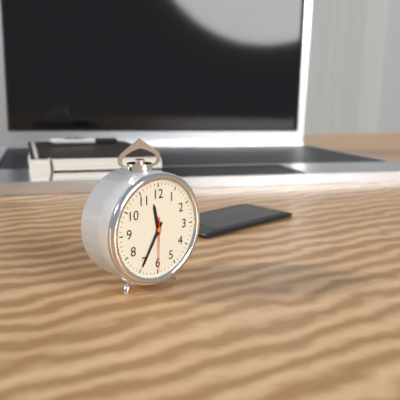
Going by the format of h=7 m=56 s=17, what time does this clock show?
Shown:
h=11 m=35 s=30
